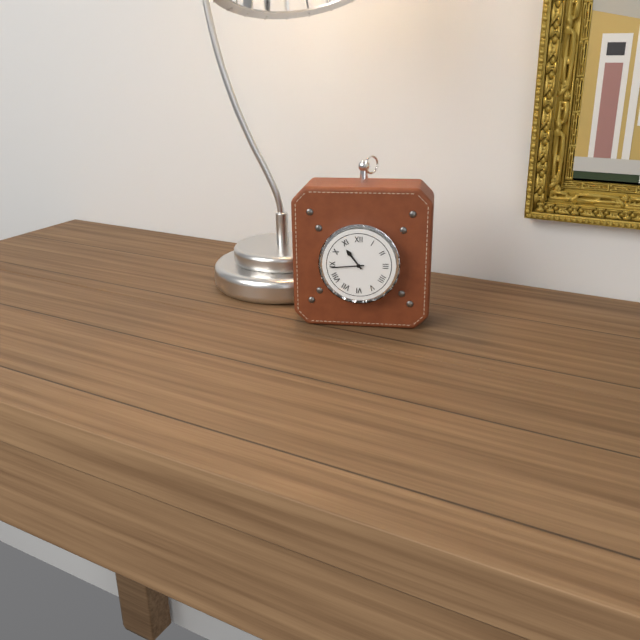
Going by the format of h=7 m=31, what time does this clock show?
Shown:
h=10 m=44
